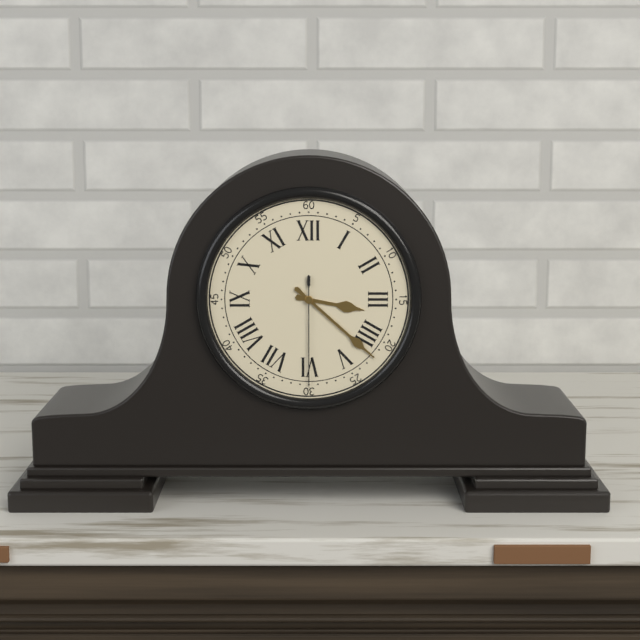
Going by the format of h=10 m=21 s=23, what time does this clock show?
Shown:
h=3 m=22 s=30
